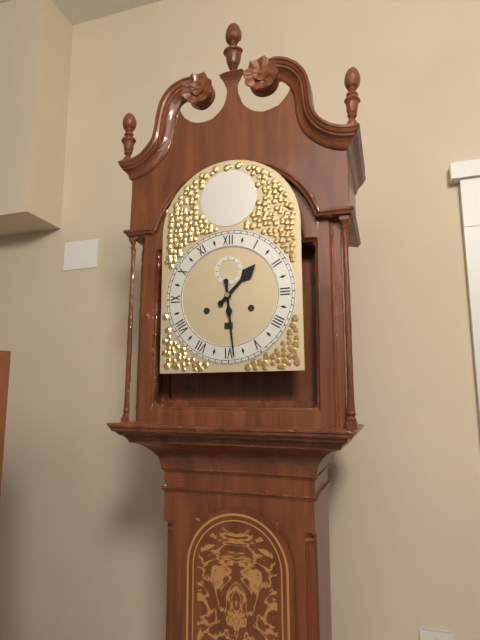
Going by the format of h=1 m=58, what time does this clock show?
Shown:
h=1 m=29
